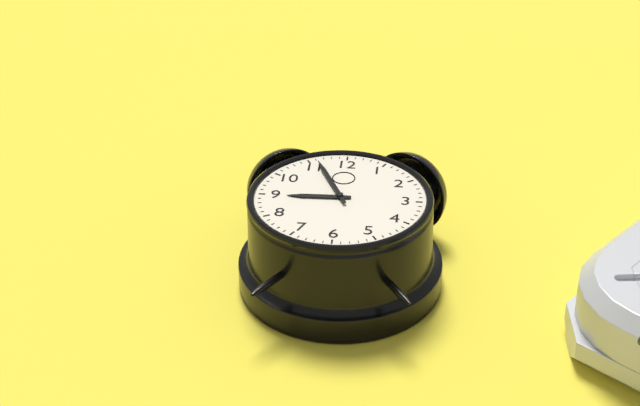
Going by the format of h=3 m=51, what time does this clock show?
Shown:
h=8 m=56
